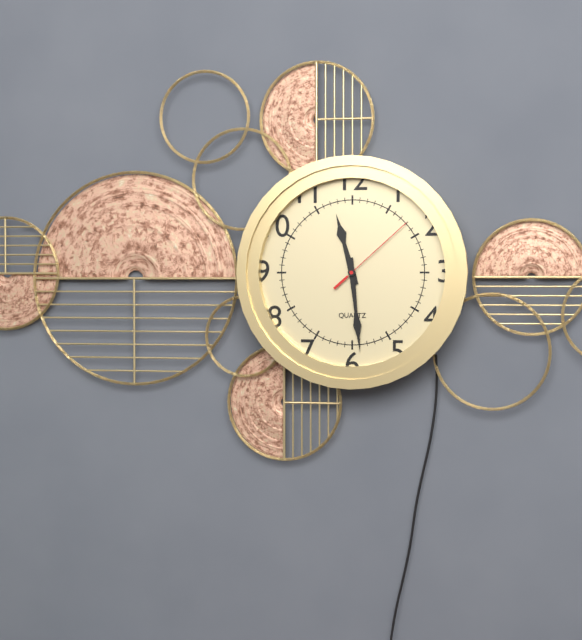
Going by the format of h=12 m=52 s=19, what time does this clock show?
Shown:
h=11 m=29 s=8
